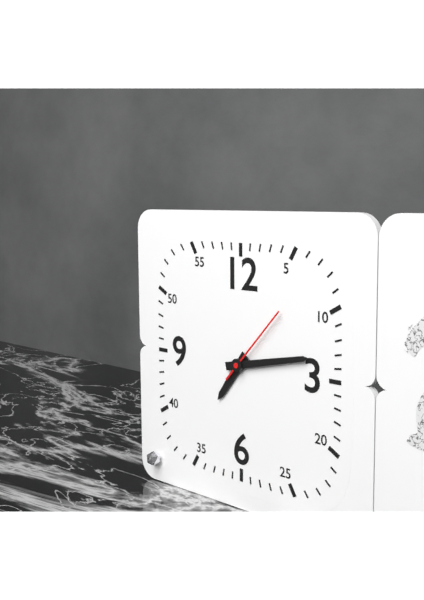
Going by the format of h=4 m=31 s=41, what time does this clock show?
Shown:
h=7 m=13 s=7
